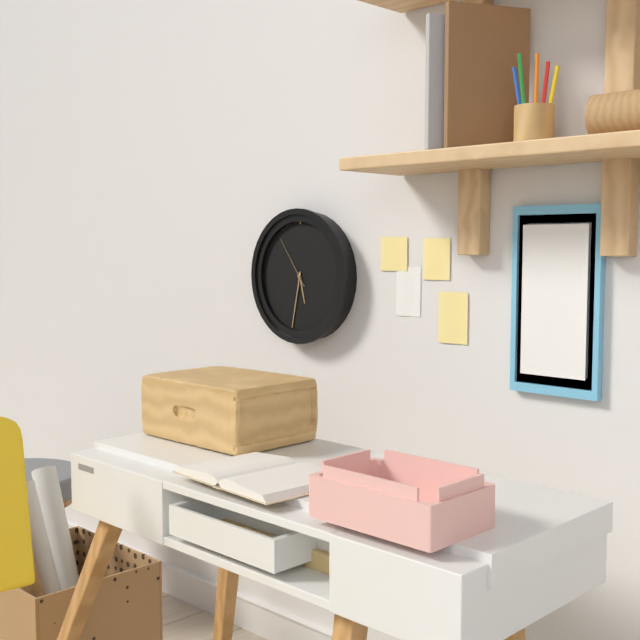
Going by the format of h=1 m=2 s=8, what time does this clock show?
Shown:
h=5 m=32 s=54
